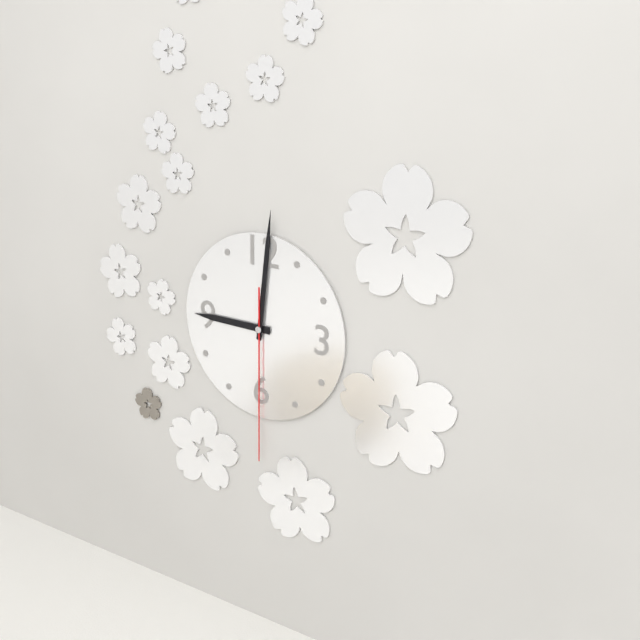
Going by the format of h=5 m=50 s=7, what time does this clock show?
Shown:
h=9 m=1 s=30
